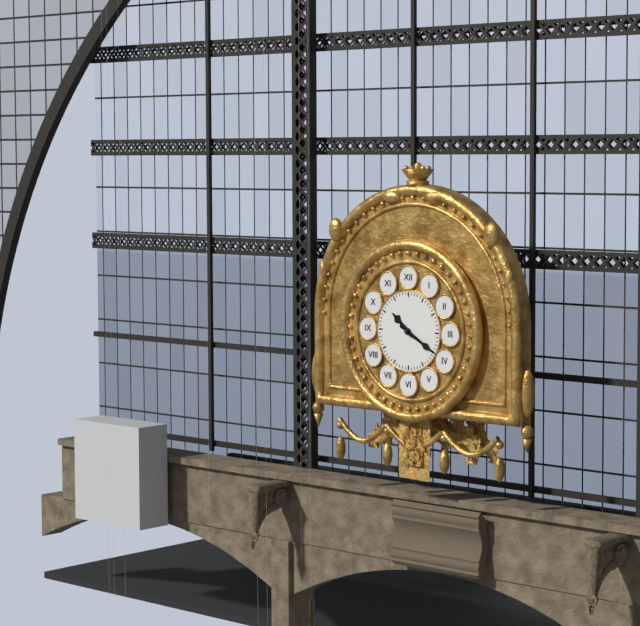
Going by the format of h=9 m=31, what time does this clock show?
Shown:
h=10 m=20
